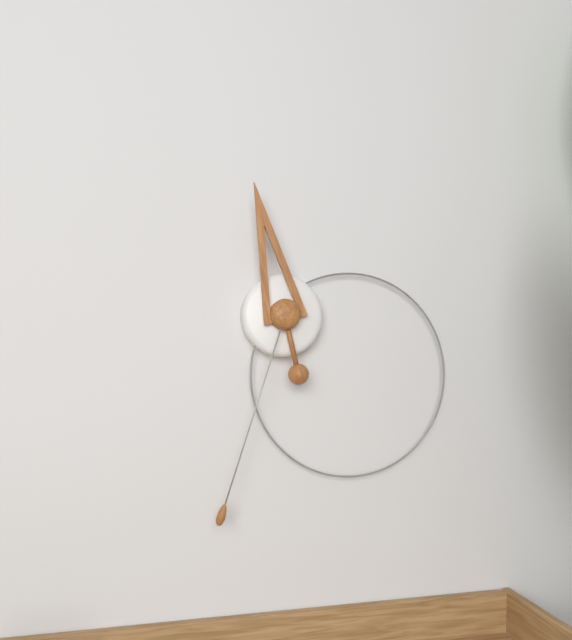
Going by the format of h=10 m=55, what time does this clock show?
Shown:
h=11 m=33
